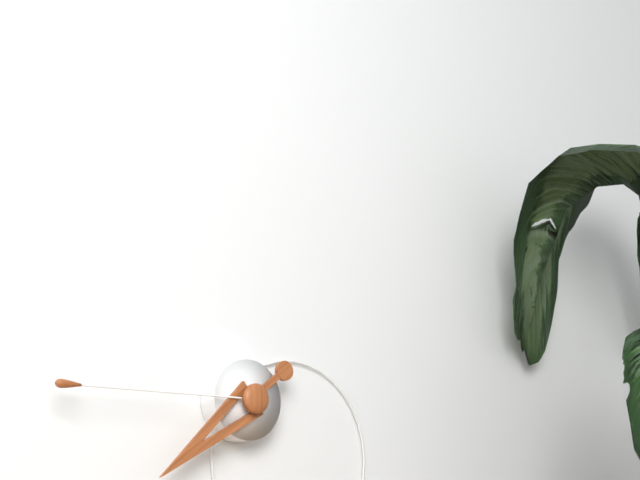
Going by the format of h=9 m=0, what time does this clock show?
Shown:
h=7 m=45
